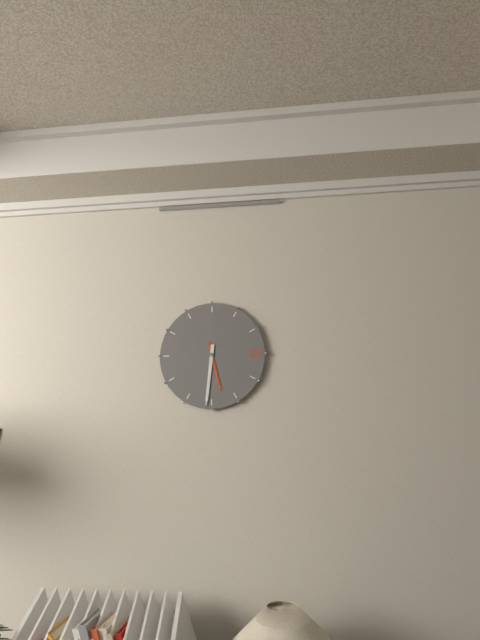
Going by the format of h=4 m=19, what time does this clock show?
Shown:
h=5 m=31
